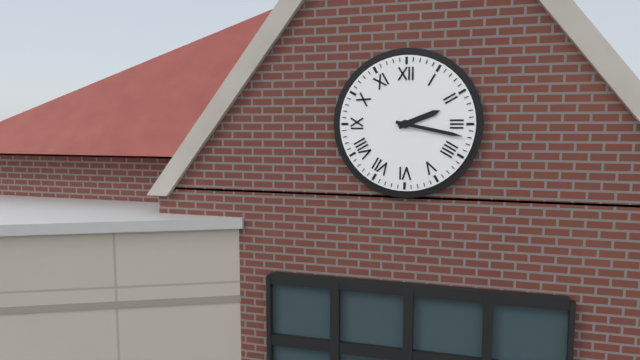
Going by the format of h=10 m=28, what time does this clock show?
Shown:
h=2 m=17
